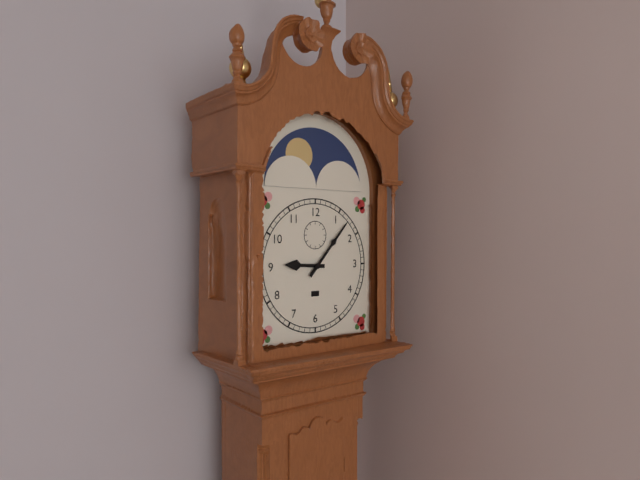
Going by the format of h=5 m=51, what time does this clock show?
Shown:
h=9 m=7
